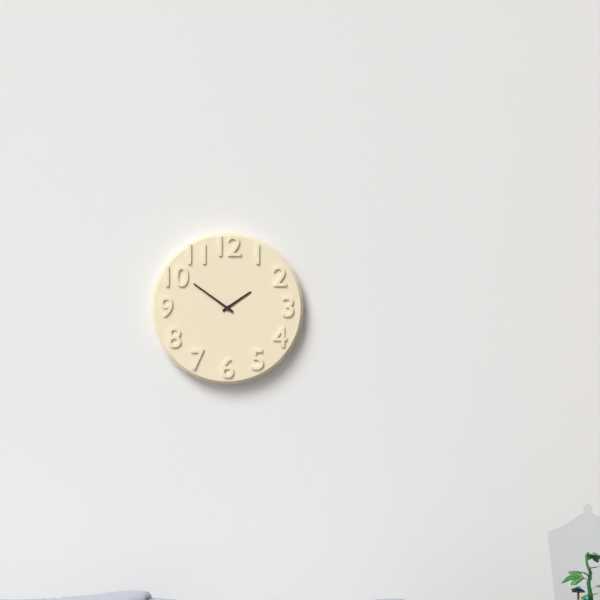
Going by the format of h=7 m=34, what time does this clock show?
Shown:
h=1 m=51
